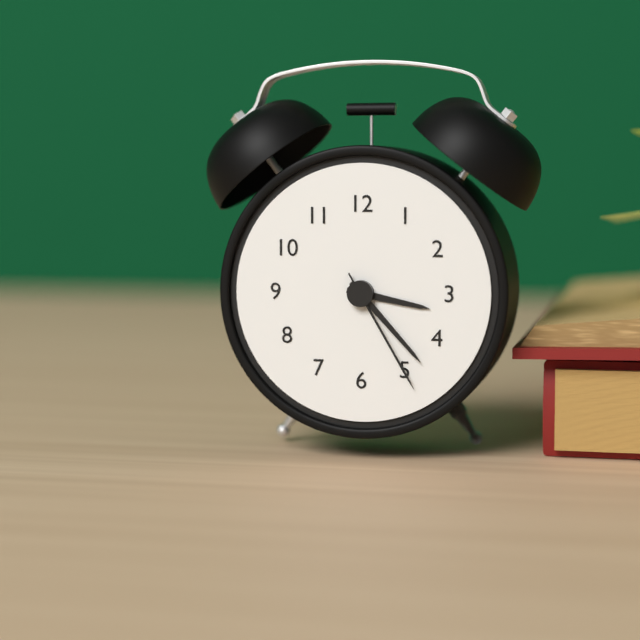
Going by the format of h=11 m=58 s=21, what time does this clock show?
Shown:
h=3 m=23 s=25
